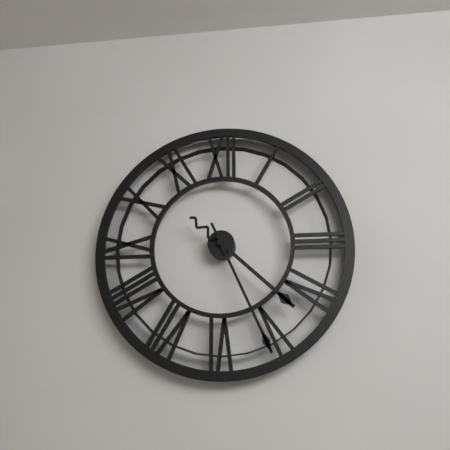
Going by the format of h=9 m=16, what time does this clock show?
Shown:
h=4 m=26
